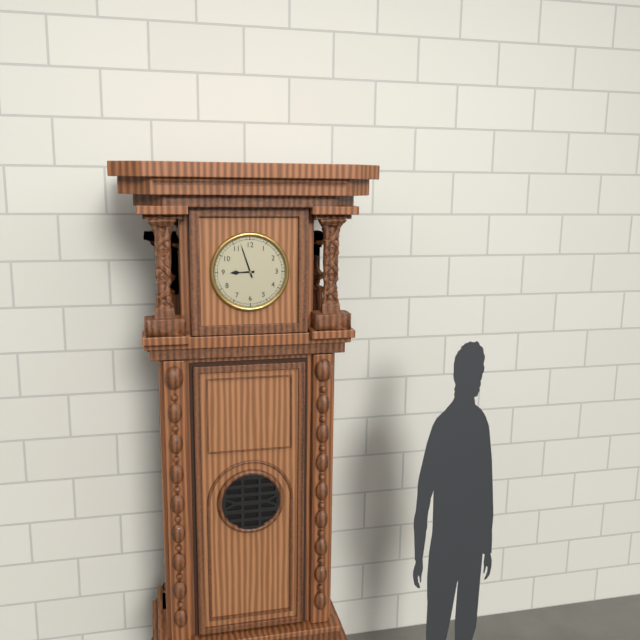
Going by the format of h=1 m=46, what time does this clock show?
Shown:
h=8 m=57
